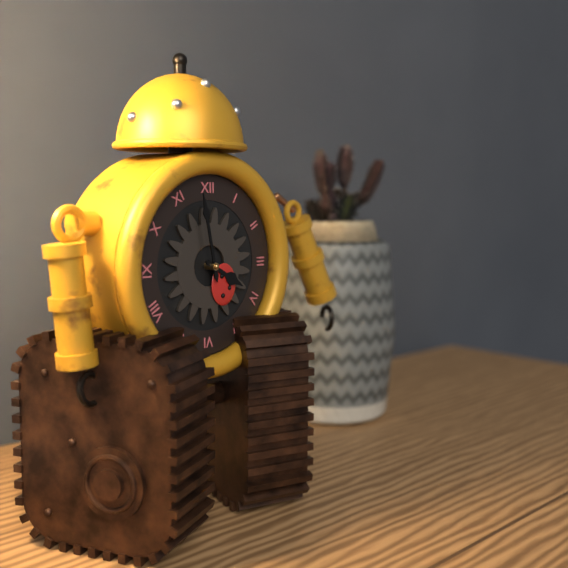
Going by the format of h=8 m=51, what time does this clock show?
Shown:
h=3 m=58
